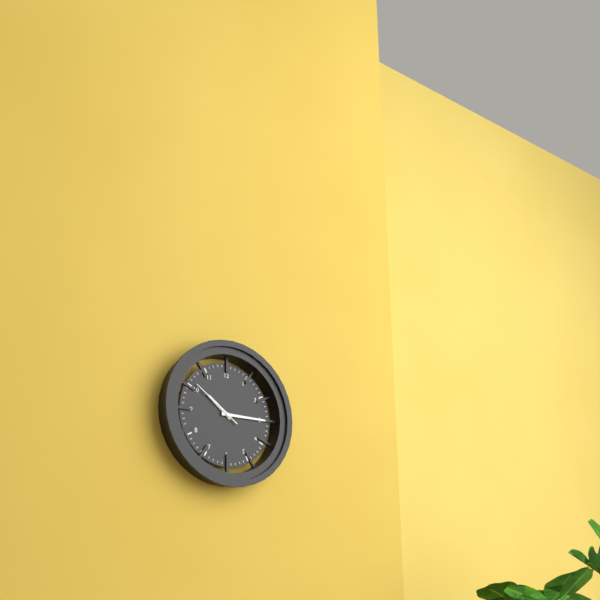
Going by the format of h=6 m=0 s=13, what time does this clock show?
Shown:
h=10 m=15 s=51
